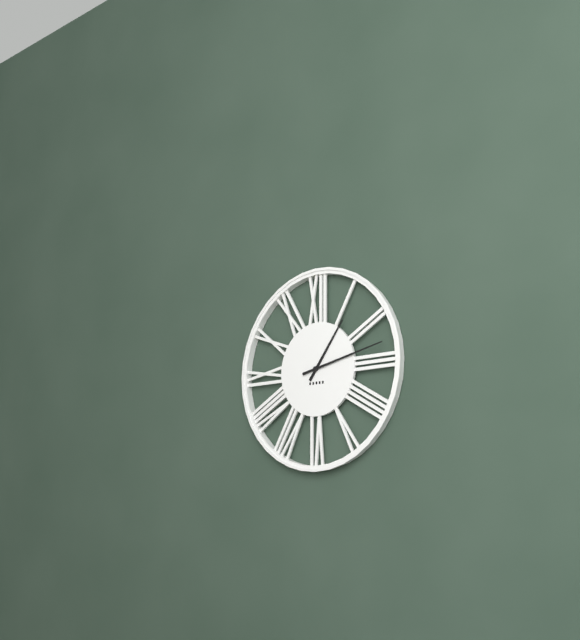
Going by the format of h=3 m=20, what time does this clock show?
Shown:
h=1 m=13
